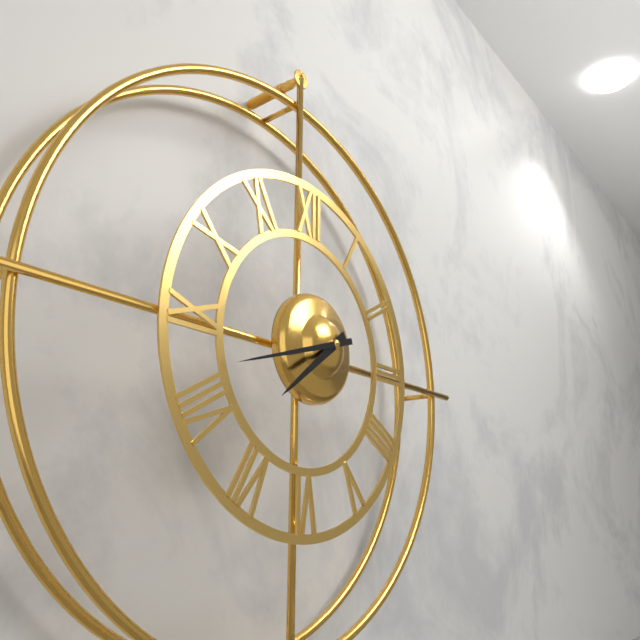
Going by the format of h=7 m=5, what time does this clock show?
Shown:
h=7 m=42
